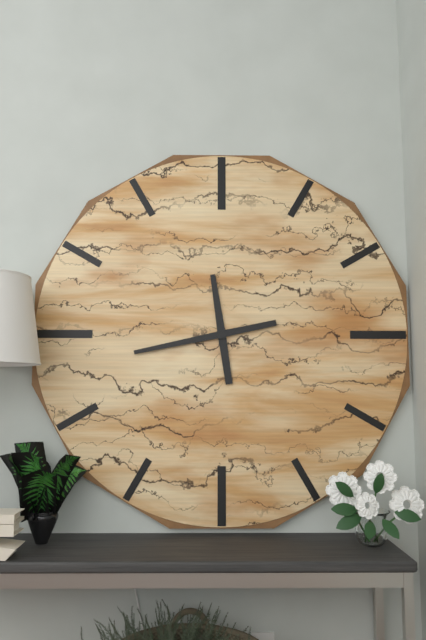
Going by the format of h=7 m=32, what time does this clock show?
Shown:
h=11 m=43
